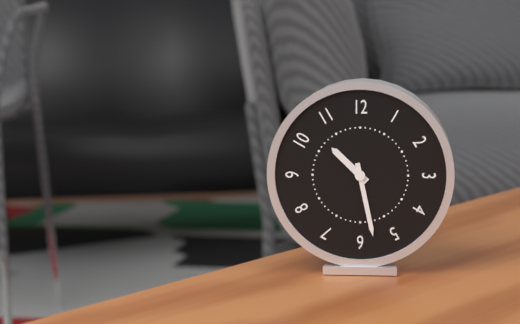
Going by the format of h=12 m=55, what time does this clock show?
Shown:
h=10 m=28
